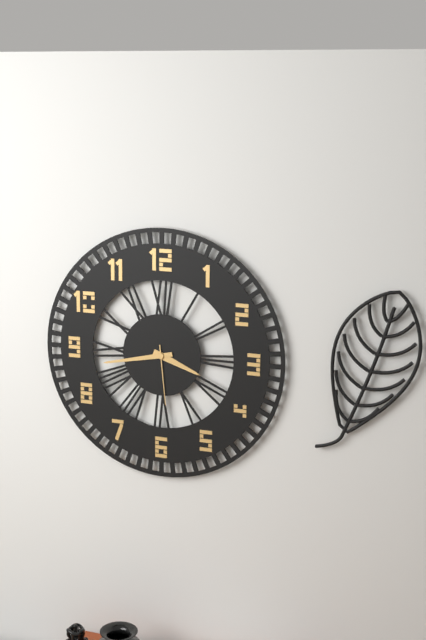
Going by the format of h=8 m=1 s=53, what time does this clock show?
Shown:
h=3 m=43 s=29
